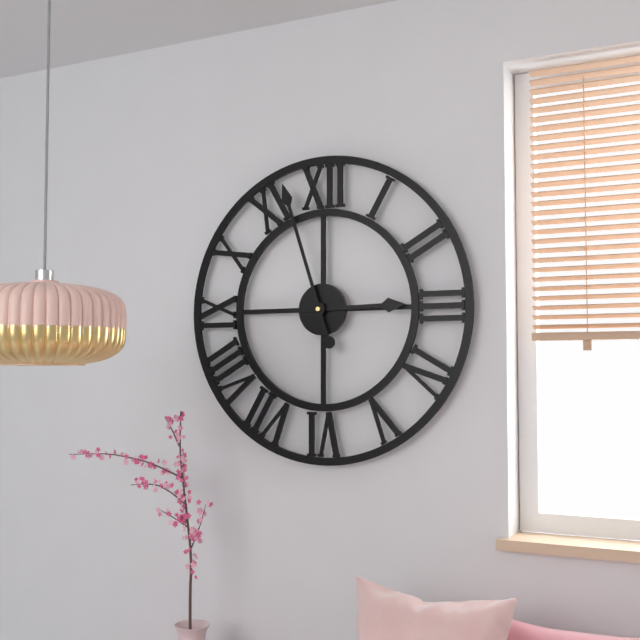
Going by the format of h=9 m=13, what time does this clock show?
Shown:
h=2 m=57
